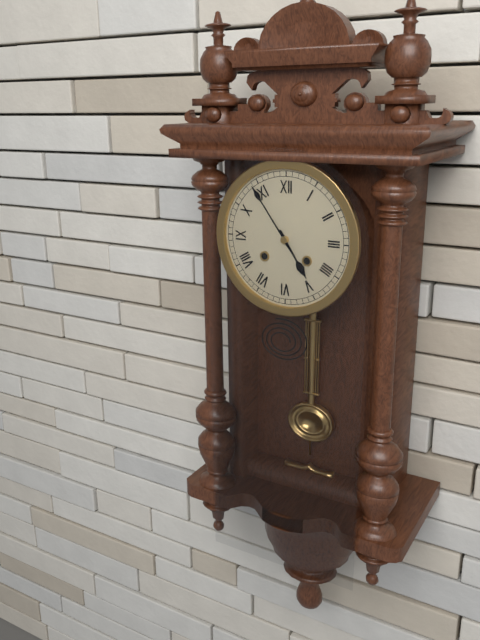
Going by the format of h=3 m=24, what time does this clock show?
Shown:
h=4 m=54
